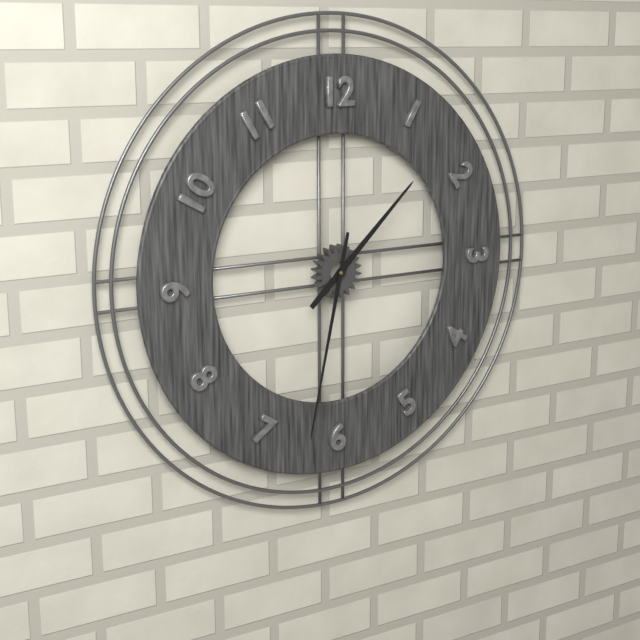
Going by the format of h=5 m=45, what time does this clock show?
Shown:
h=1 m=32
